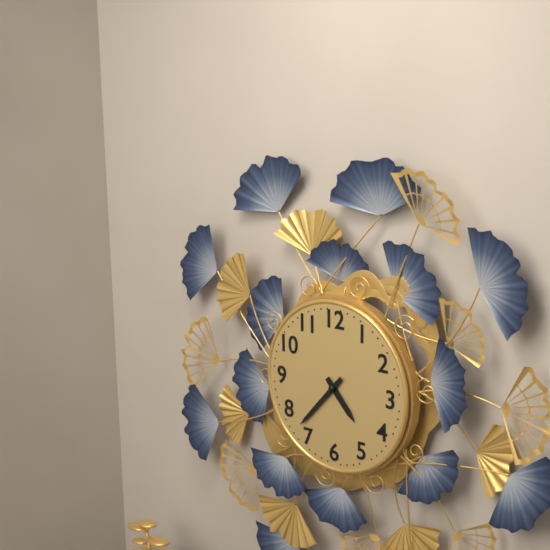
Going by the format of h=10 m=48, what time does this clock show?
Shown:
h=4 m=37
